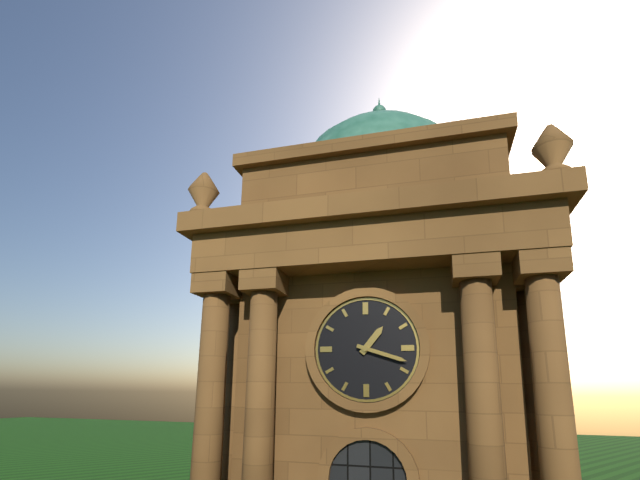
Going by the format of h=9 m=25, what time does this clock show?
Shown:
h=1 m=18
